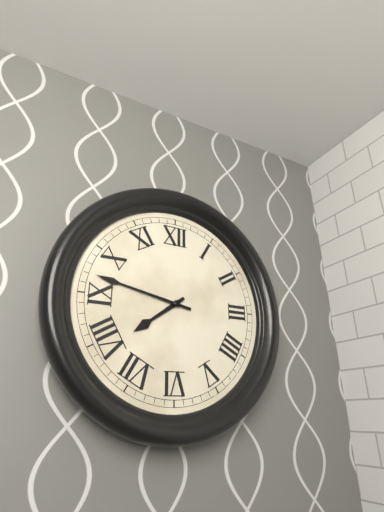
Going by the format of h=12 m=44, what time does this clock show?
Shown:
h=7 m=47
